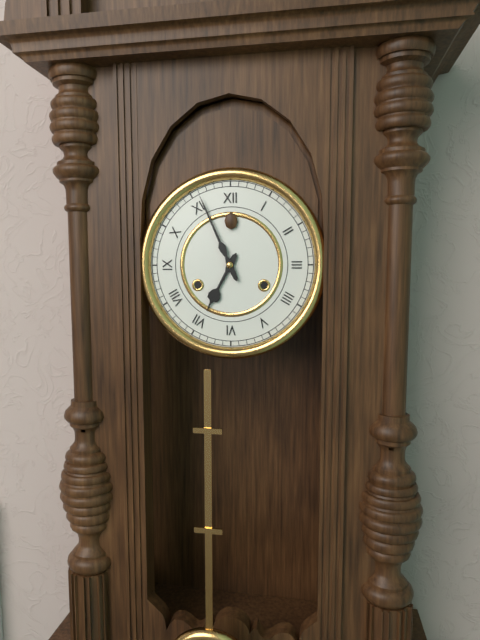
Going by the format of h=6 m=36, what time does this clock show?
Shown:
h=6 m=56
